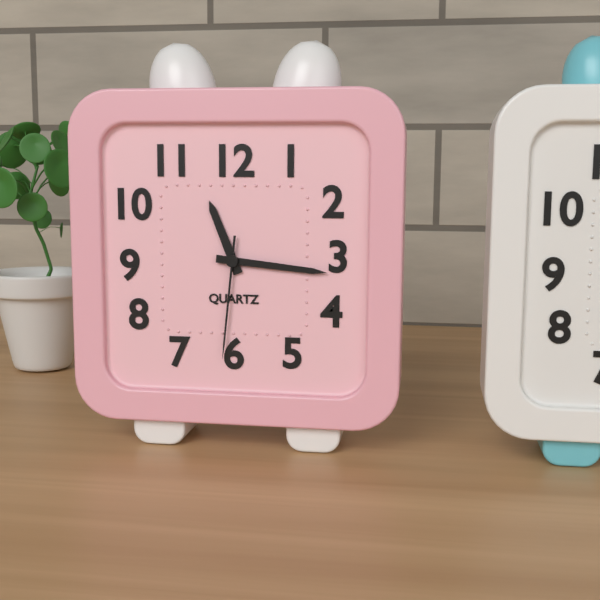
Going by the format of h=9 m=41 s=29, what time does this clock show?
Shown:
h=11 m=16 s=31
